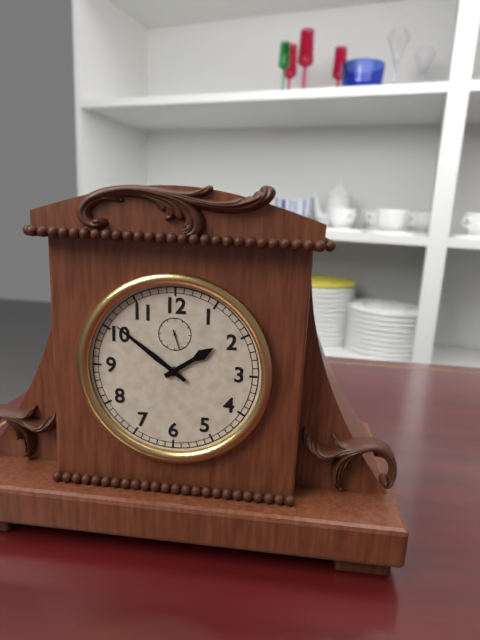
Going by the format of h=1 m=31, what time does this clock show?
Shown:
h=1 m=51
